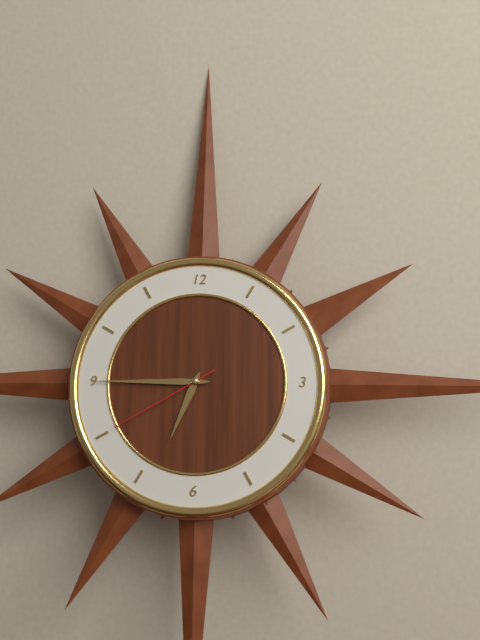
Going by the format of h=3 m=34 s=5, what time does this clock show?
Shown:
h=6 m=45 s=40
